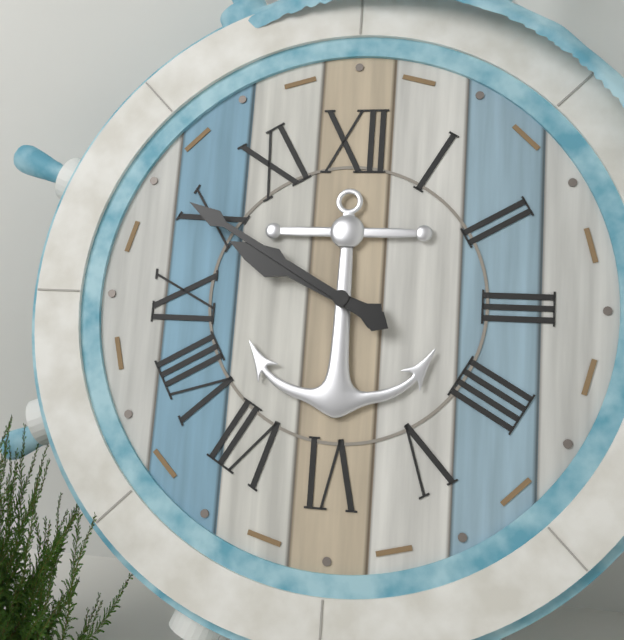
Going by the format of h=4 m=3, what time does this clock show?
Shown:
h=9 m=50
